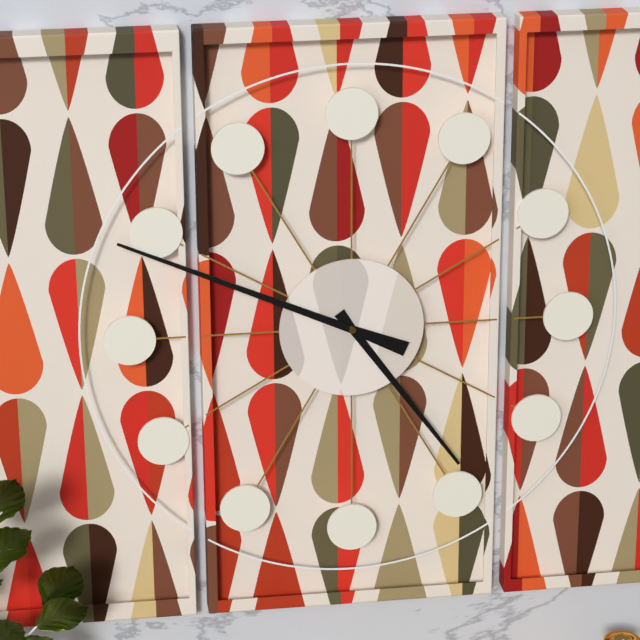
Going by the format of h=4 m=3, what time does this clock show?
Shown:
h=4 m=49
